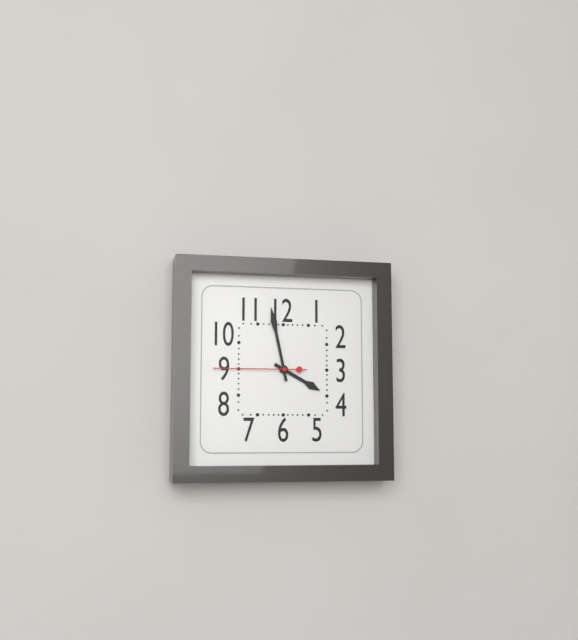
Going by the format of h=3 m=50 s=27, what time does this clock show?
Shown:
h=3 m=58 s=45
